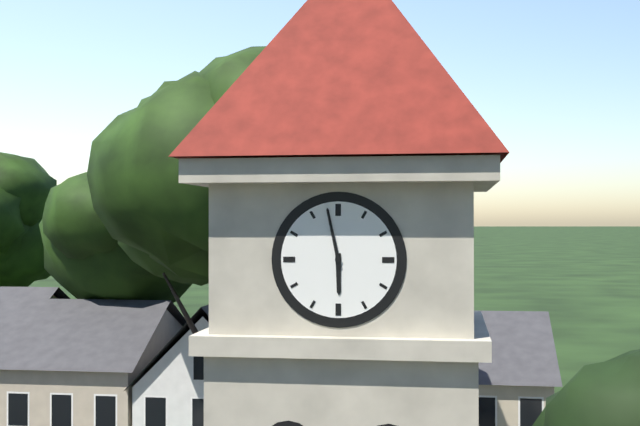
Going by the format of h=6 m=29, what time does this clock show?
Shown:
h=5 m=58
